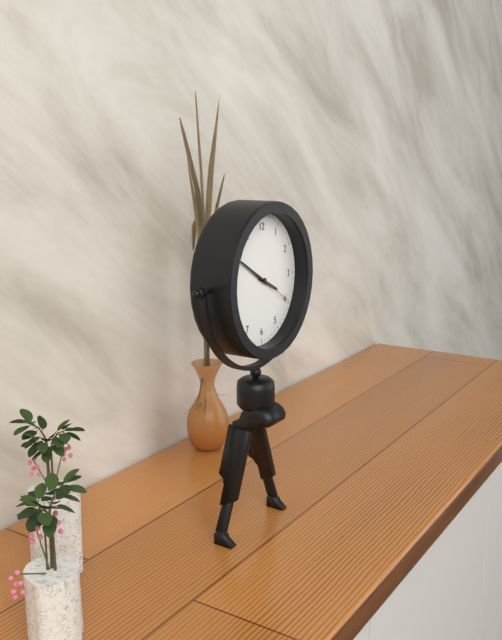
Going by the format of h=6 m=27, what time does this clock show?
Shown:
h=3 m=50
